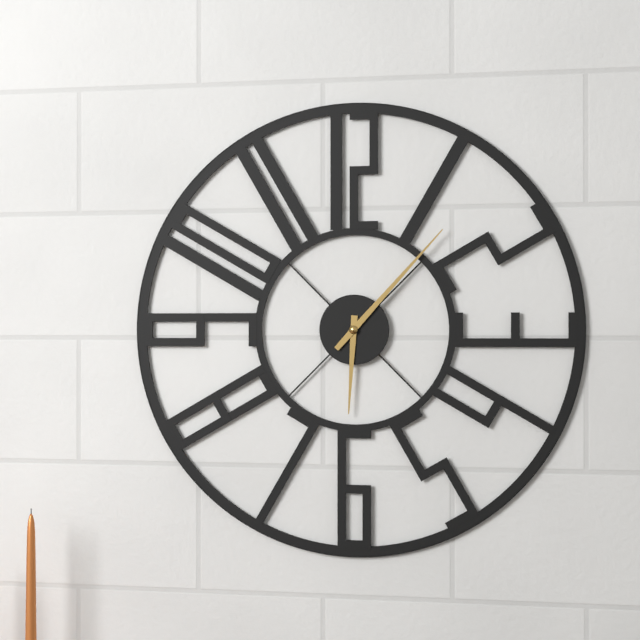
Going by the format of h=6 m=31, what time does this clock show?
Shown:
h=6 m=7
